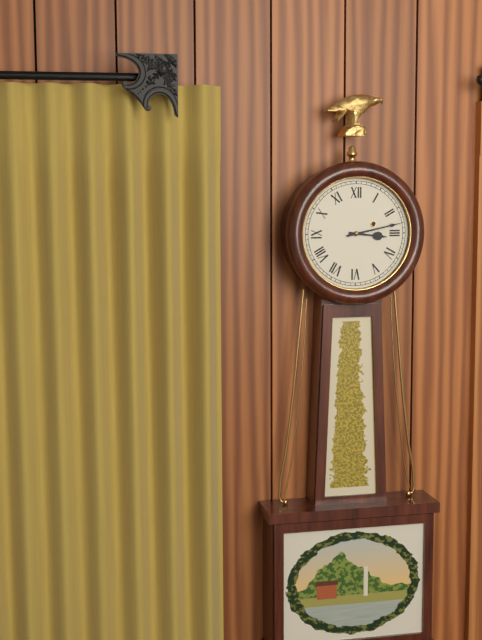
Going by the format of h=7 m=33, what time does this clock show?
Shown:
h=3 m=13
